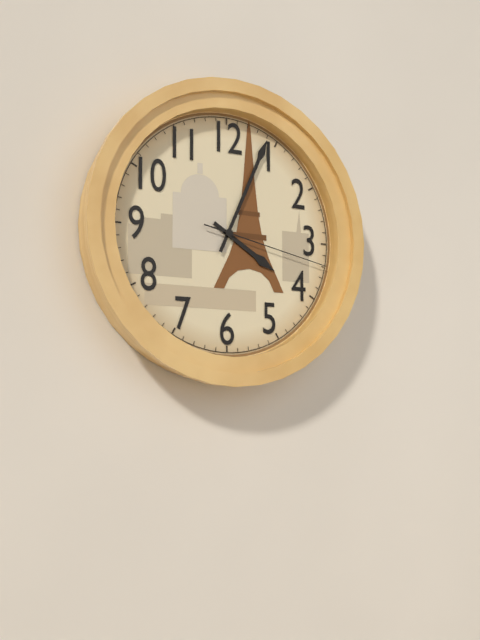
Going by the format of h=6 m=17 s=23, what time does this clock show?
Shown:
h=4 m=4 s=17
